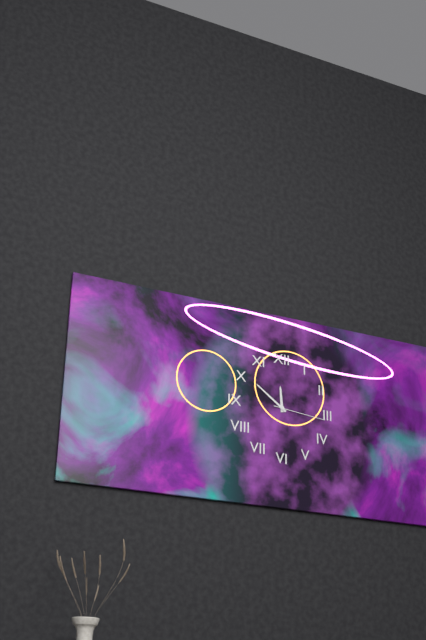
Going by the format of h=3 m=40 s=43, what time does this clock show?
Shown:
h=11 m=51 s=16
